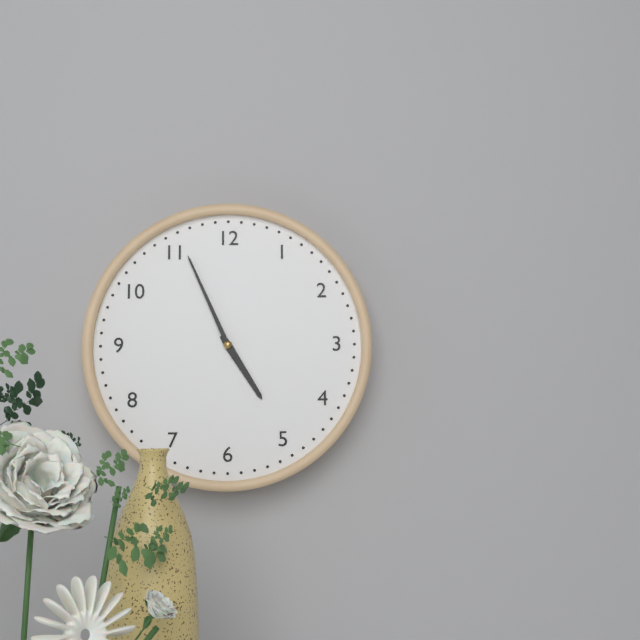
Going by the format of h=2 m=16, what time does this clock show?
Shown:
h=4 m=56
